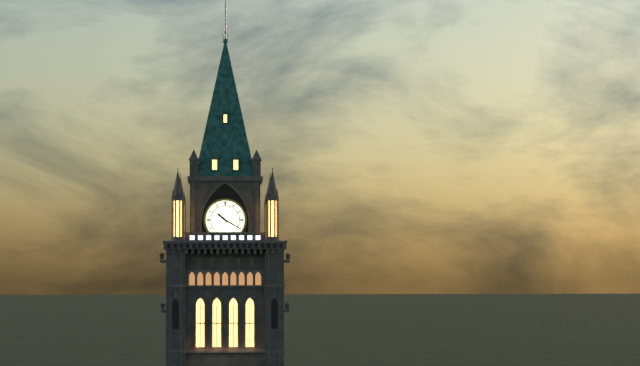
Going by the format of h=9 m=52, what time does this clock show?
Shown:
h=10 m=20
